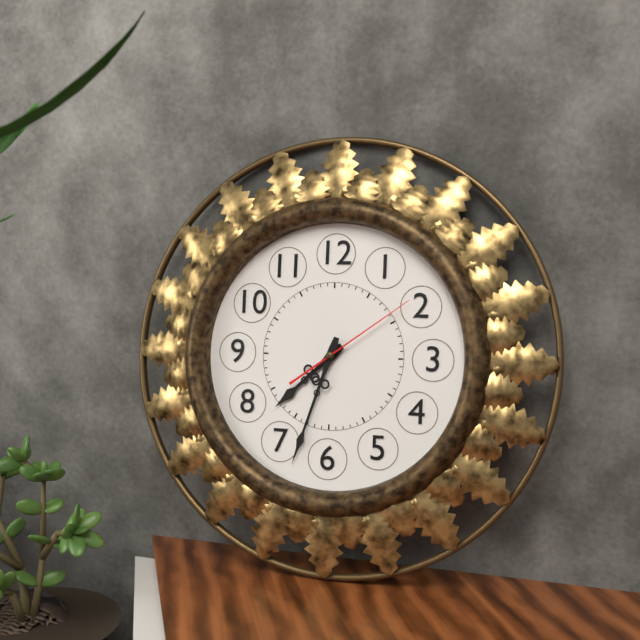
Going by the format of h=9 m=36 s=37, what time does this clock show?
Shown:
h=7 m=33 s=9
